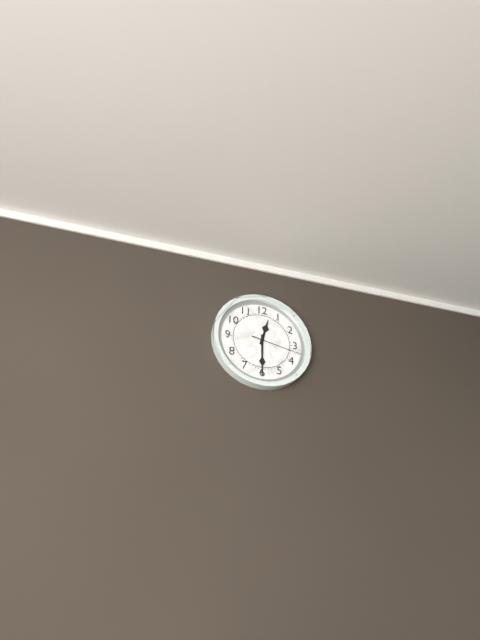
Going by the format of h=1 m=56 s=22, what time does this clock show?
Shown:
h=12 m=30 s=17
